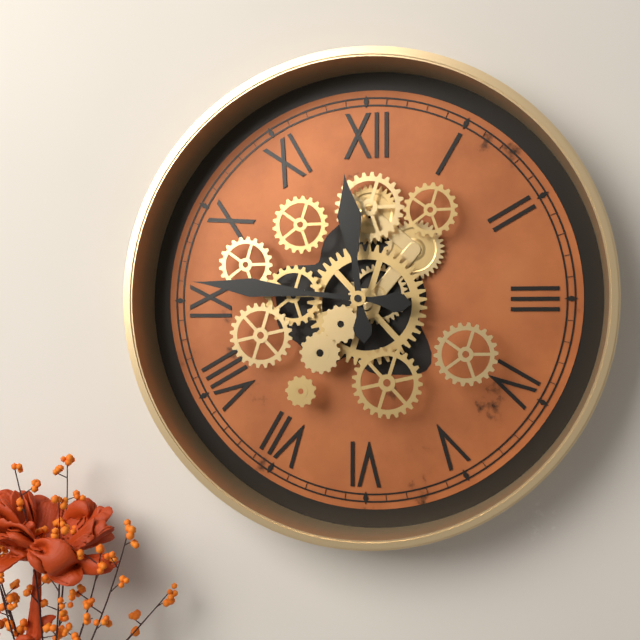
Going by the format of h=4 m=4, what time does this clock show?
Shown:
h=11 m=46
